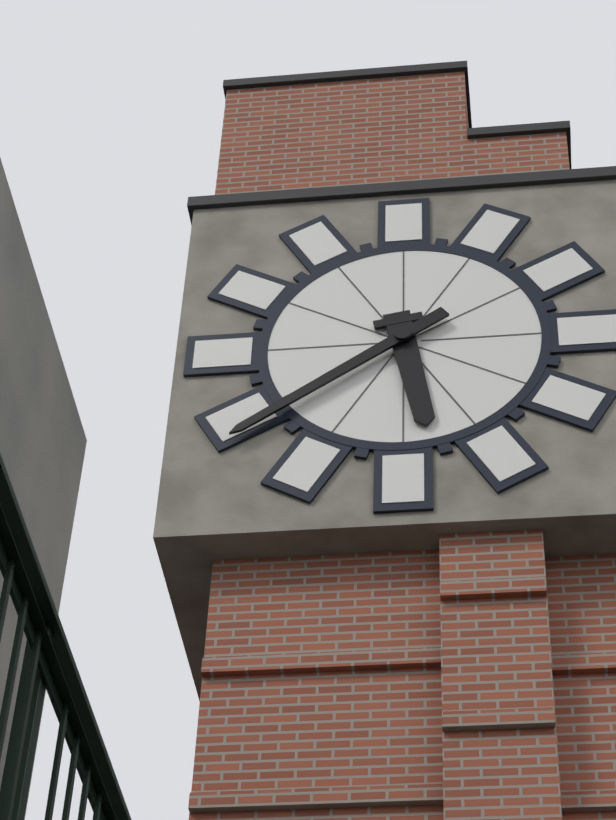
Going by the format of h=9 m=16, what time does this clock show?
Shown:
h=5 m=39
